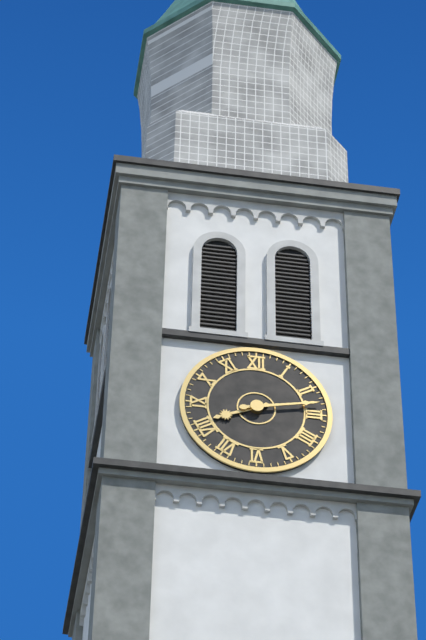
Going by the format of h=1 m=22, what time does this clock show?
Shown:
h=8 m=13
